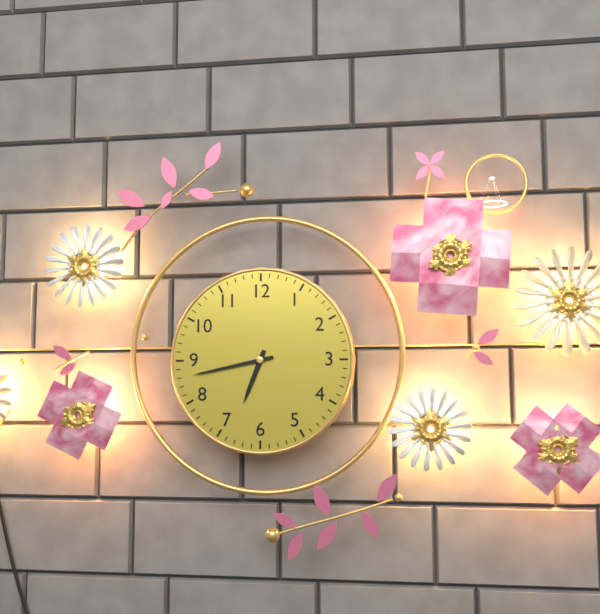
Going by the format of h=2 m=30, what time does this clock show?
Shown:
h=6 m=43
